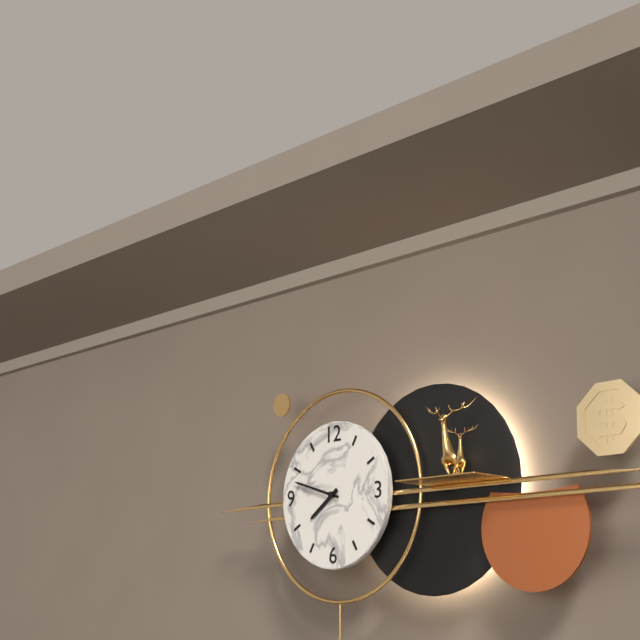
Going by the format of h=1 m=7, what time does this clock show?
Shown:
h=7 m=48
